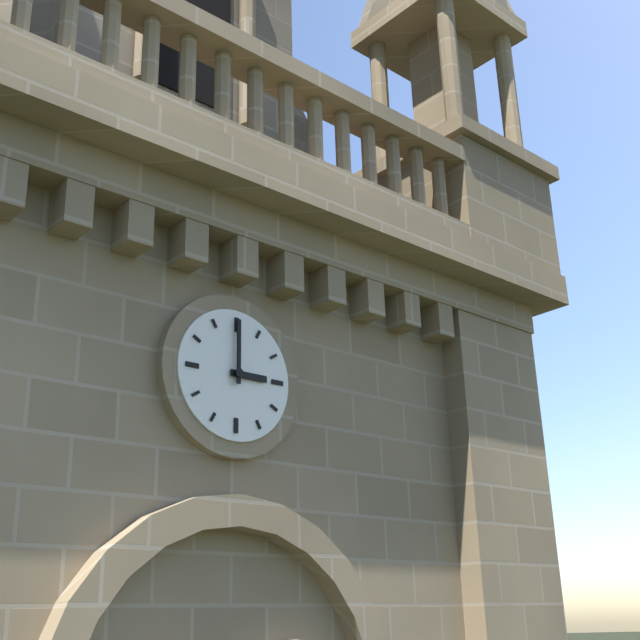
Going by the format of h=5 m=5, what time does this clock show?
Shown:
h=3 m=0
